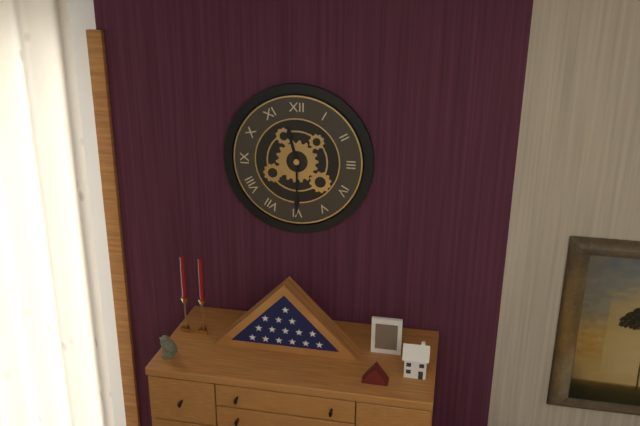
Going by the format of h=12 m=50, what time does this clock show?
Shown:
h=11 m=30
